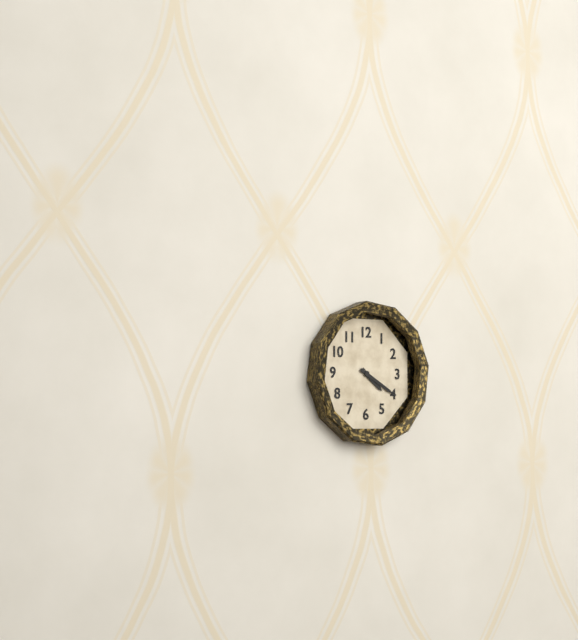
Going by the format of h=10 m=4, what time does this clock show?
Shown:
h=4 m=20
